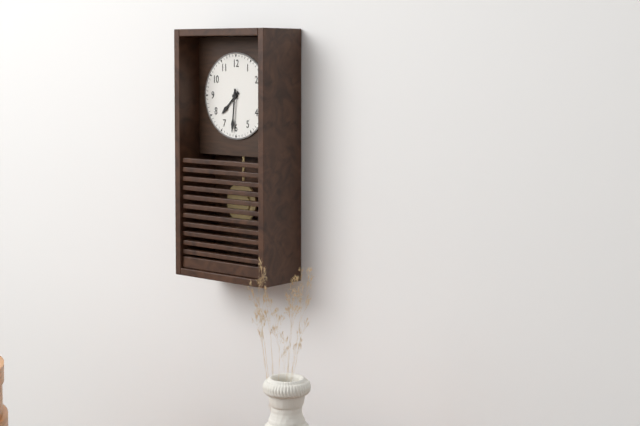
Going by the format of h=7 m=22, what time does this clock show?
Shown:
h=7 m=31
